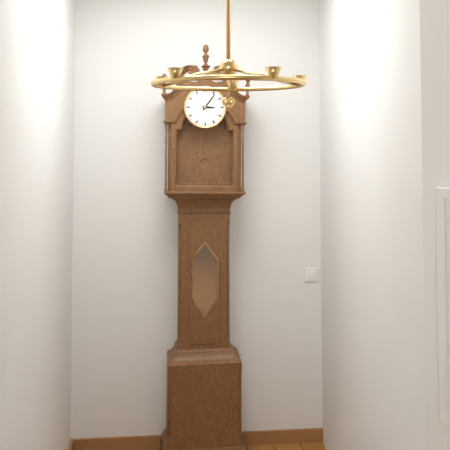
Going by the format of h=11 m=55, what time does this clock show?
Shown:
h=3 m=6
